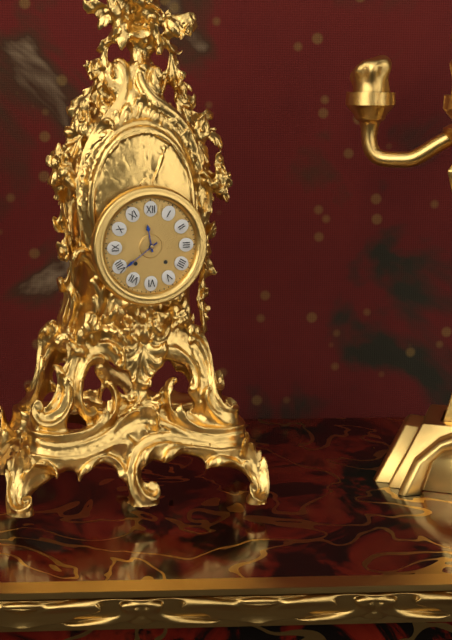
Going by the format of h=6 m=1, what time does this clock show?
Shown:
h=11 m=39
